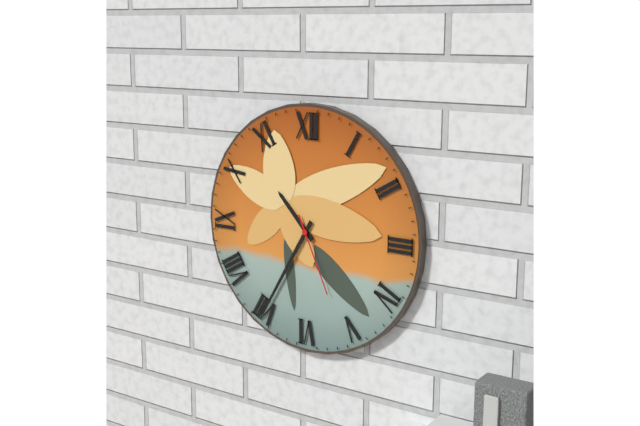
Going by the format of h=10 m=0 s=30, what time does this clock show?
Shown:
h=10 m=35 s=26
